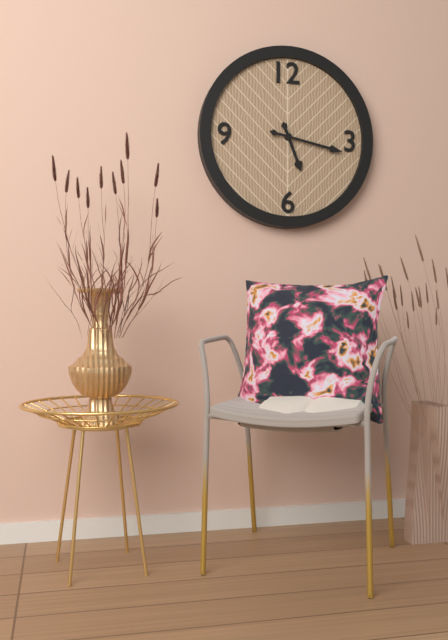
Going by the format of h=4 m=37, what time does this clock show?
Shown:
h=5 m=17
